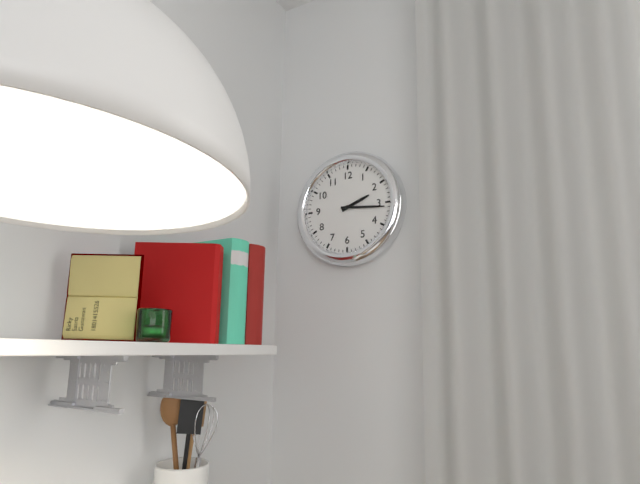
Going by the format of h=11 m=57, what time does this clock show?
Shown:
h=2 m=16
